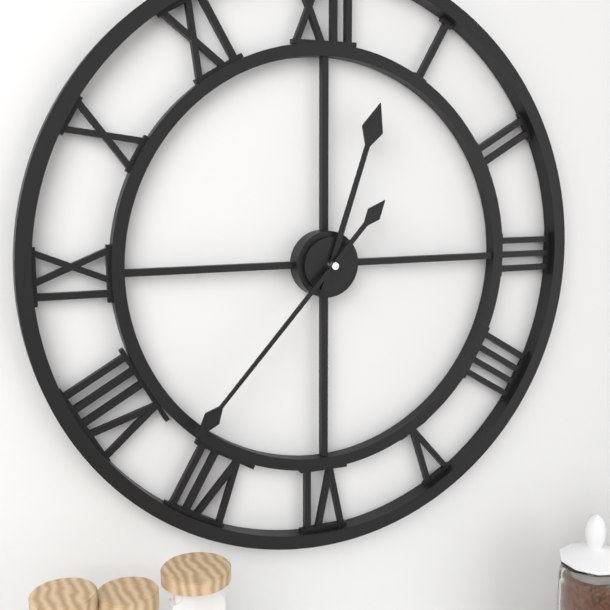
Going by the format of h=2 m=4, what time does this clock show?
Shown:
h=12 m=37
